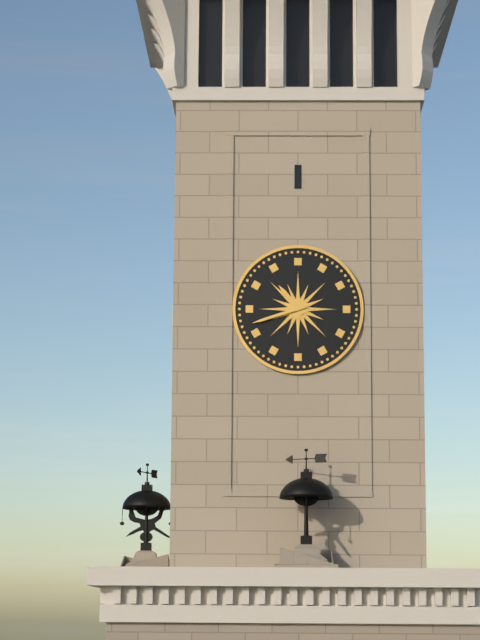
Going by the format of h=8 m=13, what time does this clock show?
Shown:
h=10 m=42
